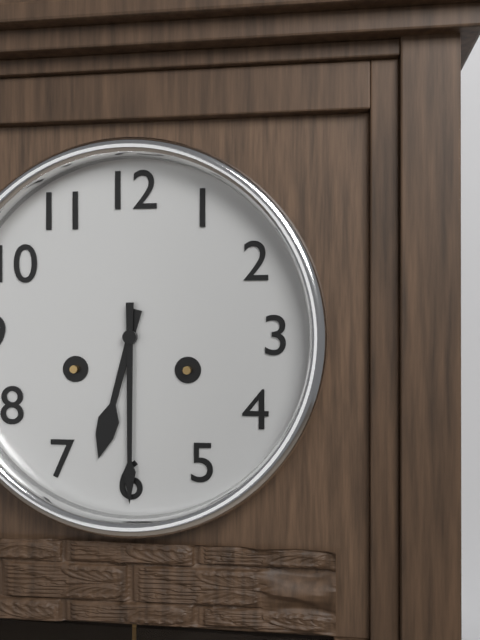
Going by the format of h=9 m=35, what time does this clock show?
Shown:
h=6 m=30
